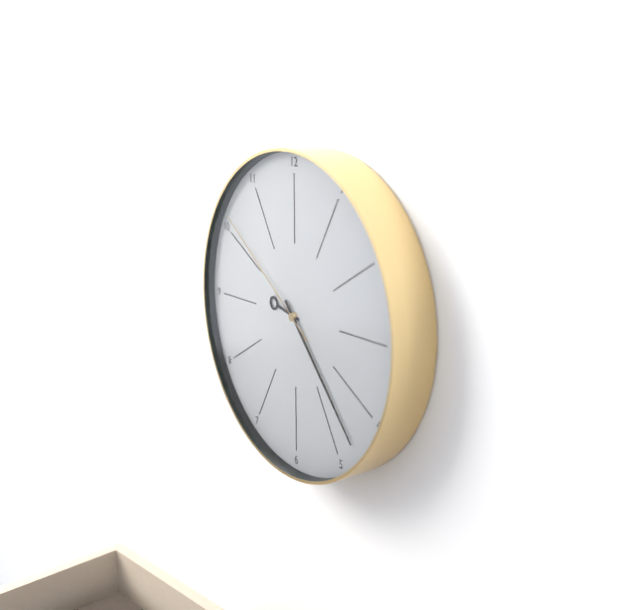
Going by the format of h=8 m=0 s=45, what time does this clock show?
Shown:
h=9 m=23 s=51
